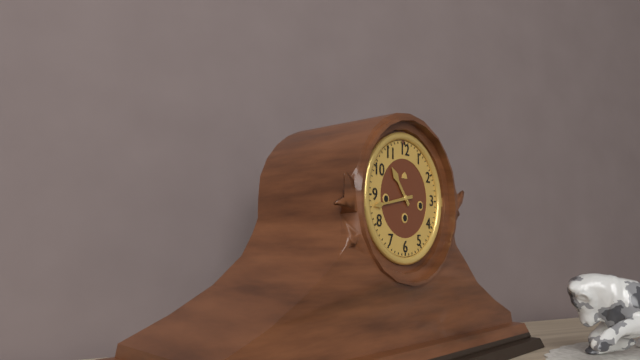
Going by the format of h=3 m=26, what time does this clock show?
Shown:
h=10 m=43
